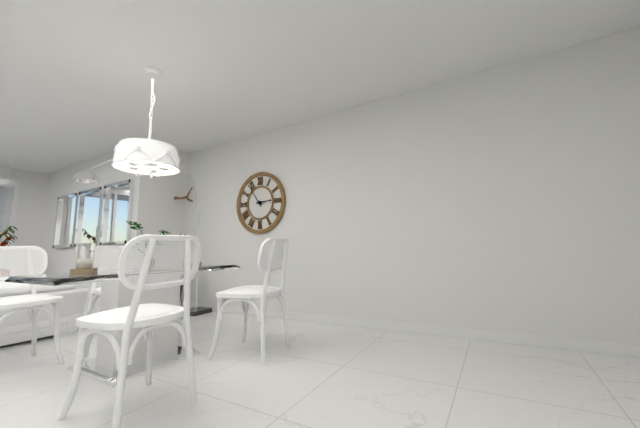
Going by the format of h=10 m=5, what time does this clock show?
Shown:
h=2 m=54
